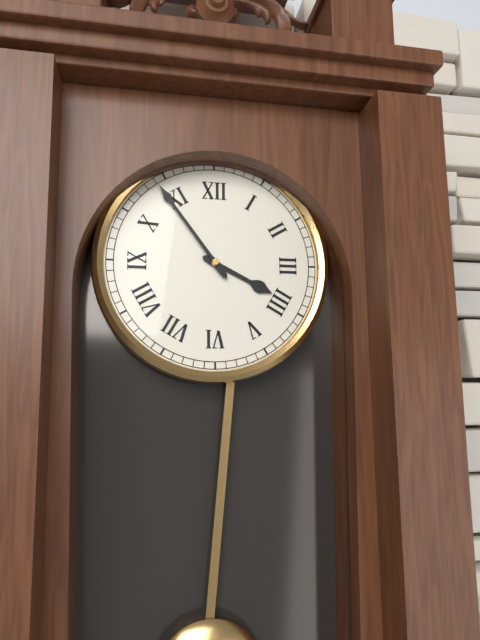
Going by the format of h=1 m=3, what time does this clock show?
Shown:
h=3 m=54
